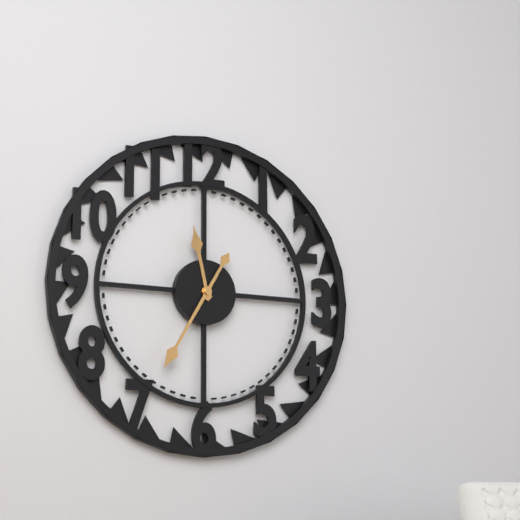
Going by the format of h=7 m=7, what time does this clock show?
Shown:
h=11 m=35
